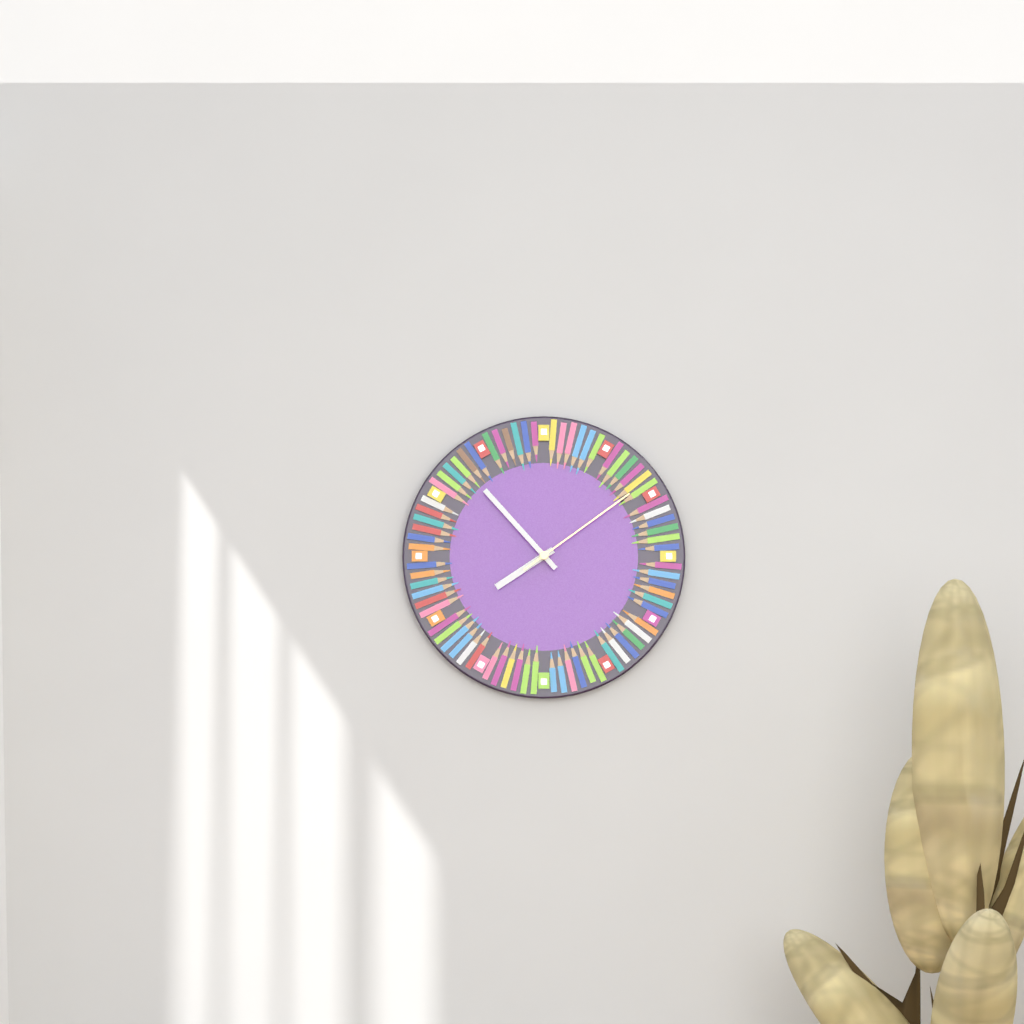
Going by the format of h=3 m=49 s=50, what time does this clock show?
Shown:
h=7 m=53 s=9
